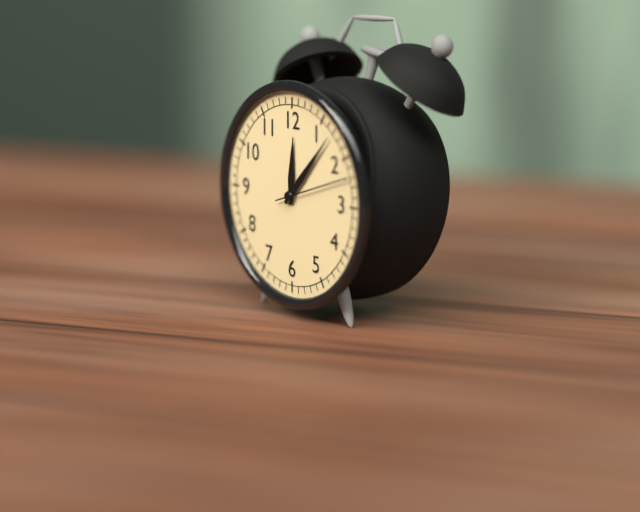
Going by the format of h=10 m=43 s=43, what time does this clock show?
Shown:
h=12 m=7 s=12
